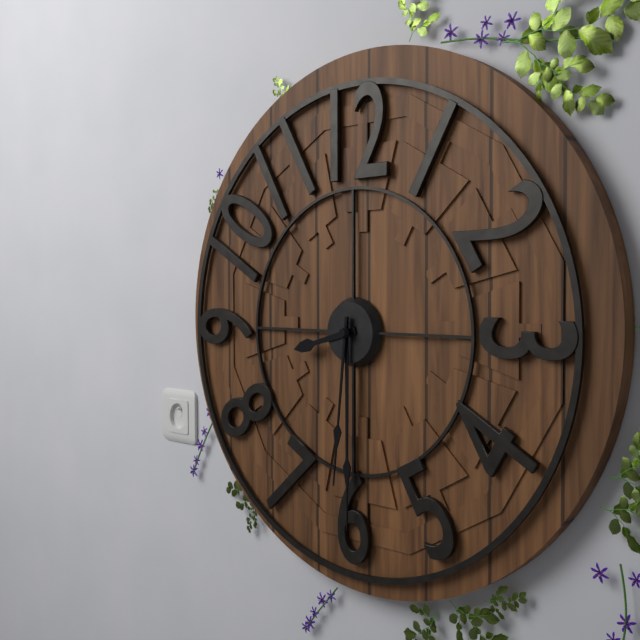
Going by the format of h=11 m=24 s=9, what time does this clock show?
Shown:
h=8 m=30 s=31
